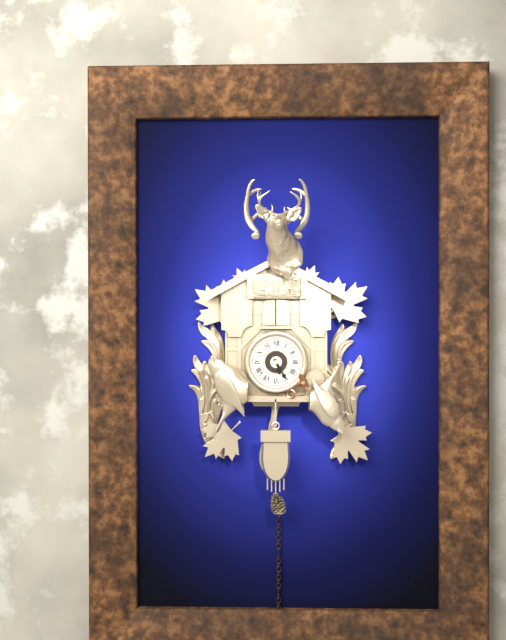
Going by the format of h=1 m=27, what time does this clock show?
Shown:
h=5 m=25
